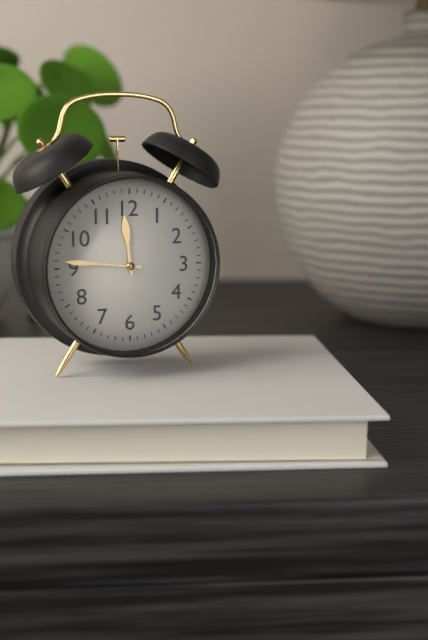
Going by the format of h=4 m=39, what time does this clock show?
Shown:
h=11 m=46
